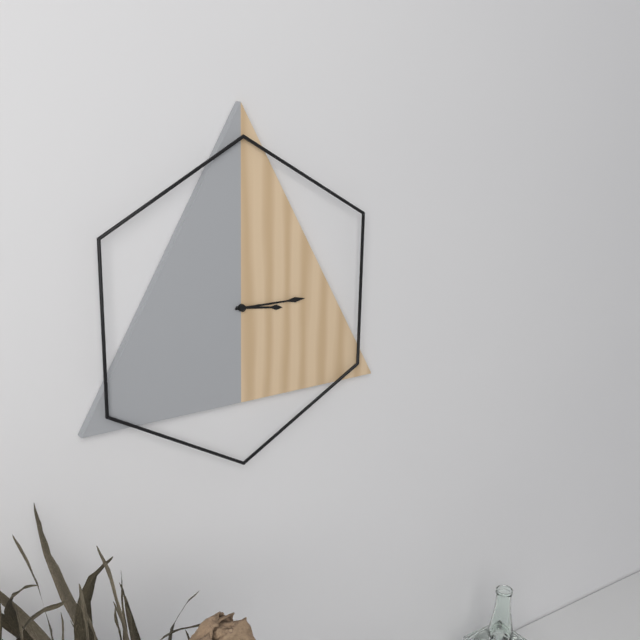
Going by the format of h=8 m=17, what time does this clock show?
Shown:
h=3 m=15
